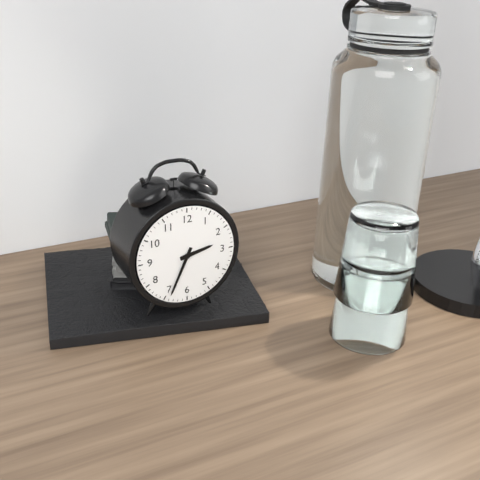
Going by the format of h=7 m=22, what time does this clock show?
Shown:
h=2 m=34
